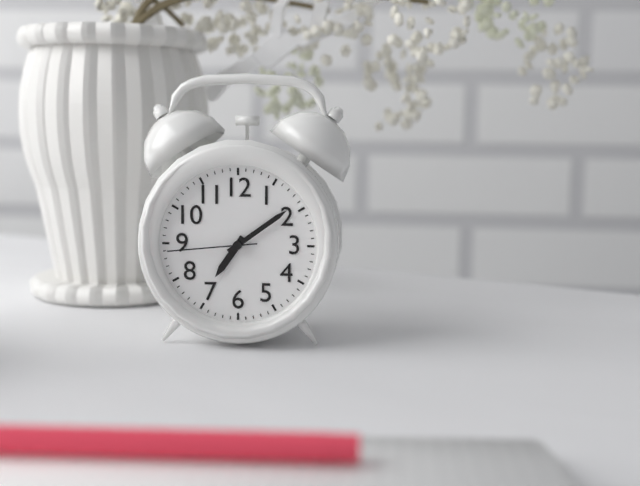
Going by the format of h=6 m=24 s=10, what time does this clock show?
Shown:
h=7 m=9 s=44
